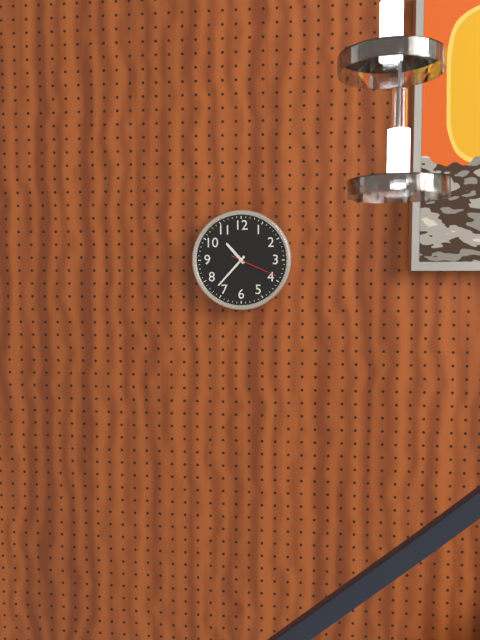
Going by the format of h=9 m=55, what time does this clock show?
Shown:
h=10 m=37
